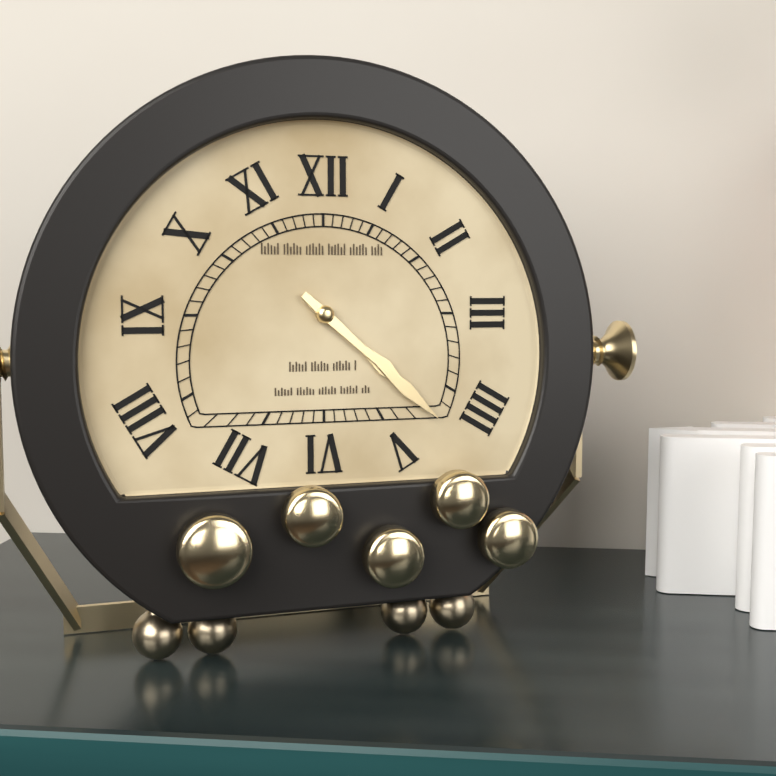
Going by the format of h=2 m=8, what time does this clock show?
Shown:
h=4 m=22
